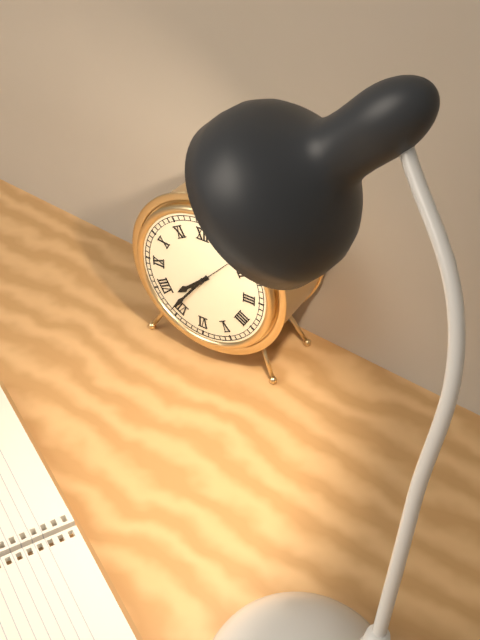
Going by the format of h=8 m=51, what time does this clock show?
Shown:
h=7 m=36
